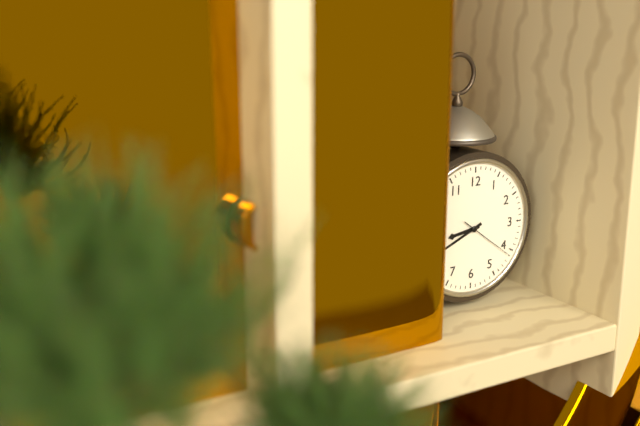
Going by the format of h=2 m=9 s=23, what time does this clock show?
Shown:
h=8 m=41 s=21
